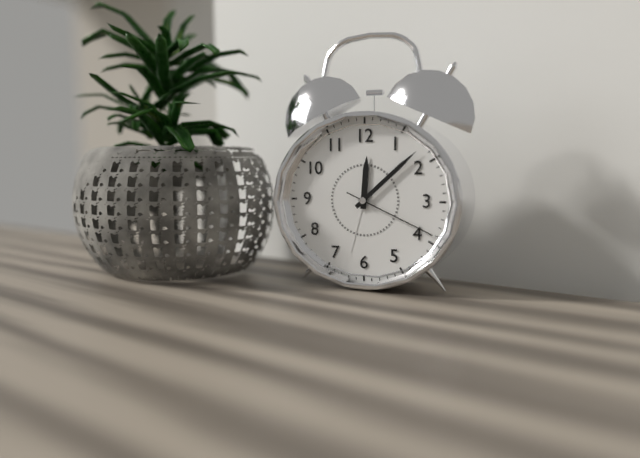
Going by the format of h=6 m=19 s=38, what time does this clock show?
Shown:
h=12 m=8 s=19
